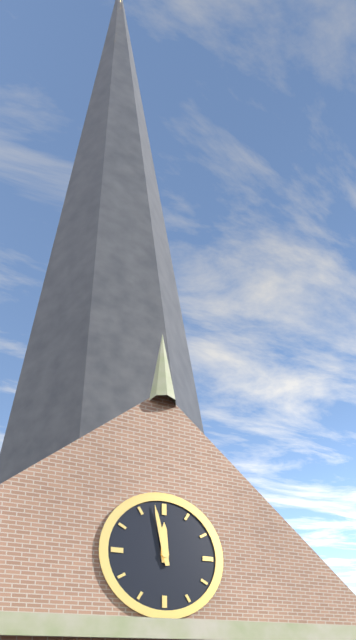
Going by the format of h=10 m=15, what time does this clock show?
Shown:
h=11 m=58
